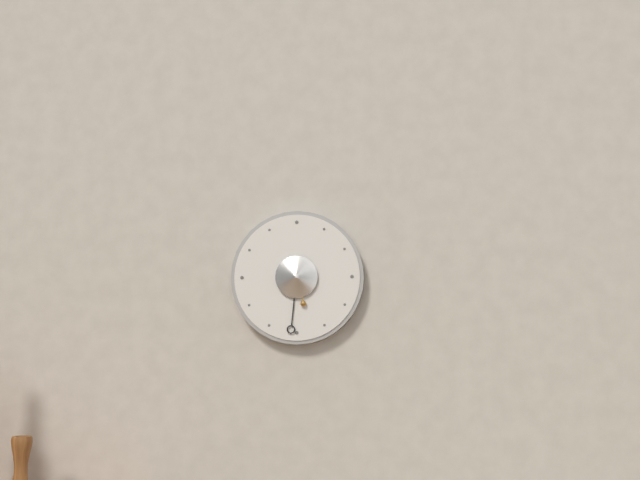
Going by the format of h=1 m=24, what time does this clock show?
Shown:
h=5 m=31
